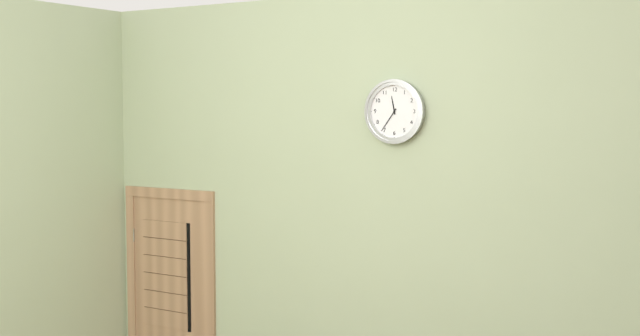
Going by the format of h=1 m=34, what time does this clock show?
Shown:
h=11 m=36
